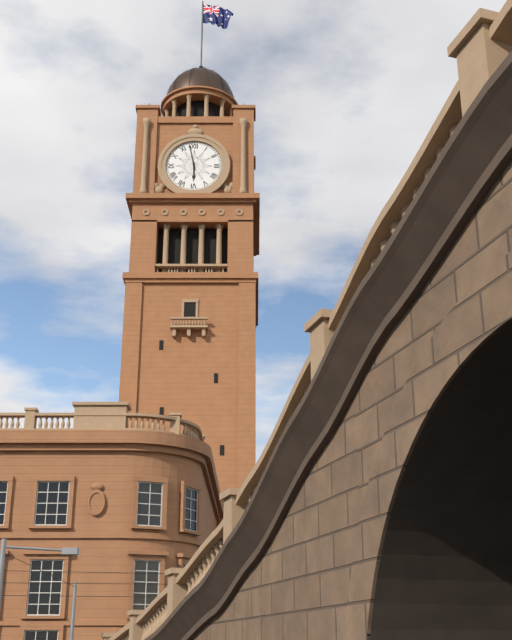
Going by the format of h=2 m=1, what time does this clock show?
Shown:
h=5 m=58
